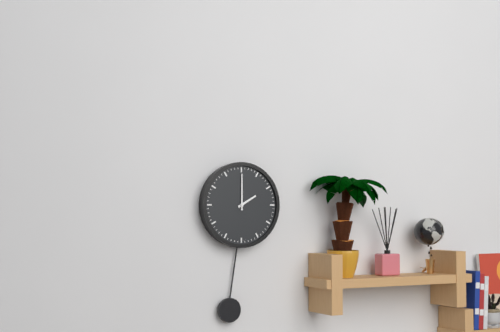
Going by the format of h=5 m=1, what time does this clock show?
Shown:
h=2 m=0
